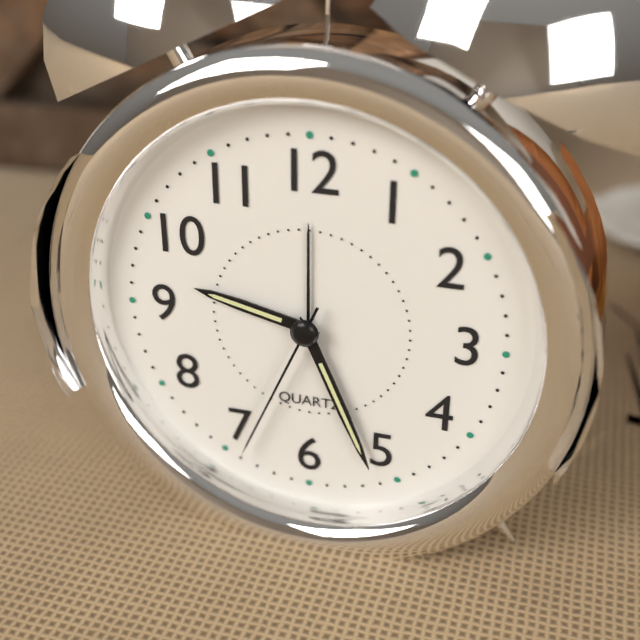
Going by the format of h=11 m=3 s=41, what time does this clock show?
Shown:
h=9 m=26 s=34
